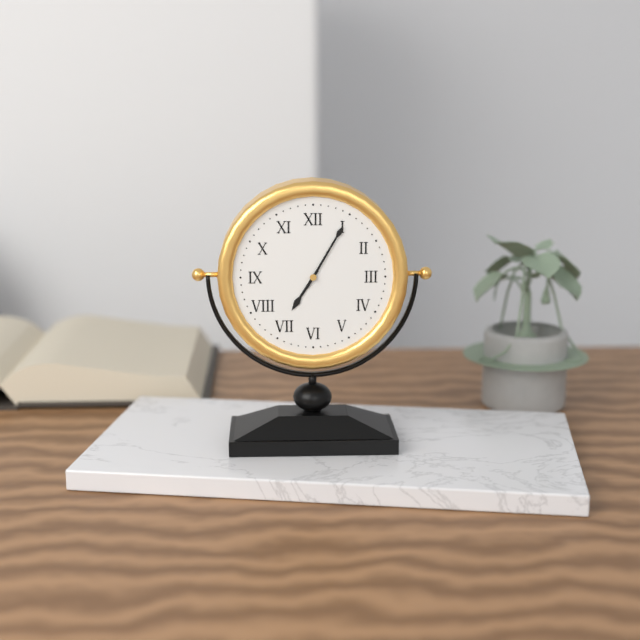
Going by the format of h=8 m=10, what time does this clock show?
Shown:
h=7 m=5
